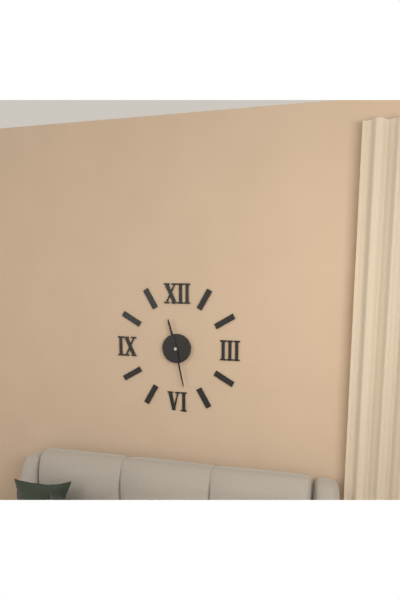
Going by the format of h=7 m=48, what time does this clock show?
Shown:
h=11 m=28
